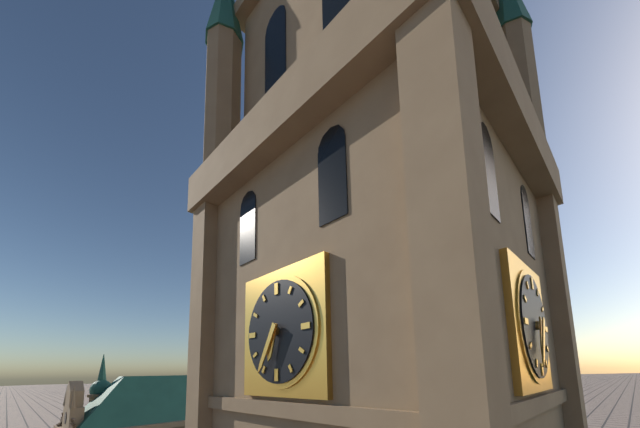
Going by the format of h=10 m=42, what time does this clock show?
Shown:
h=6 m=35
